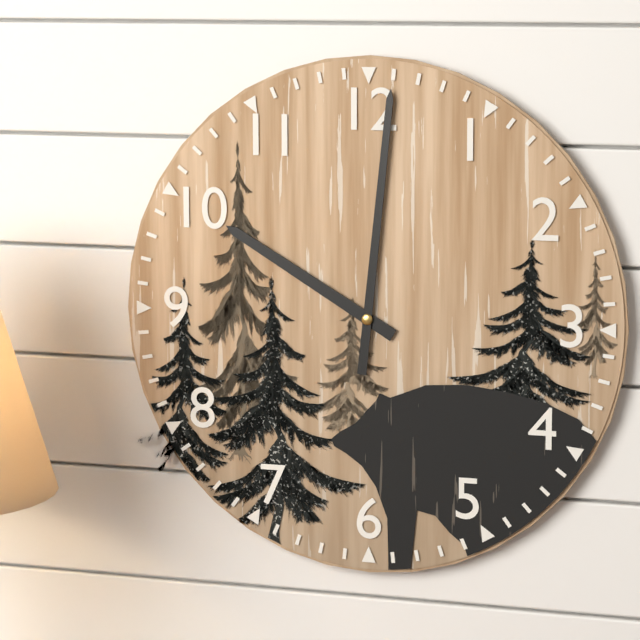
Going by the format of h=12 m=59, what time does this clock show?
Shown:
h=10 m=1
